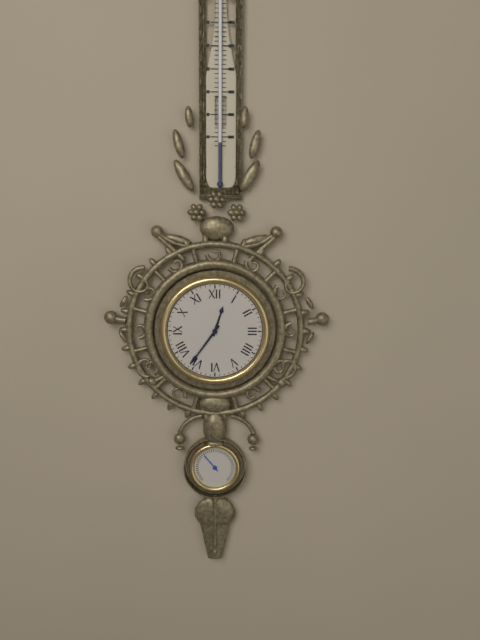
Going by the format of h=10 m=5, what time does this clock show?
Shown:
h=12 m=36
